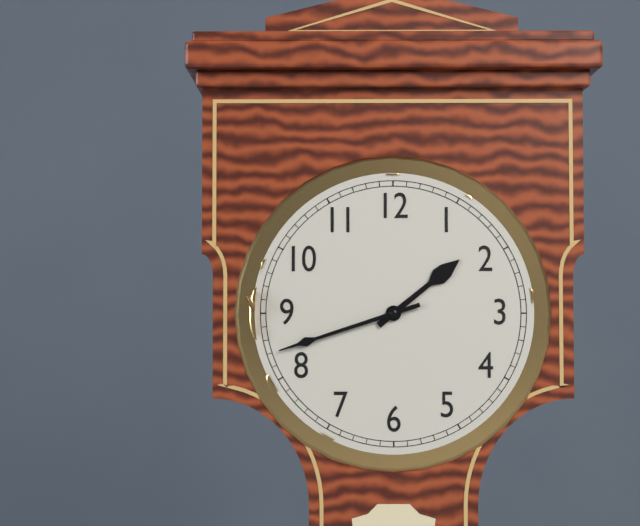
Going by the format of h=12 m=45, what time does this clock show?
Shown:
h=1 m=42
